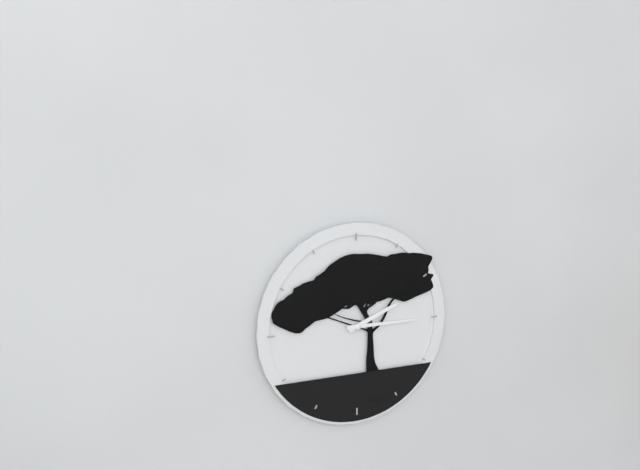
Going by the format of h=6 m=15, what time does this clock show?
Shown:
h=2 m=15
